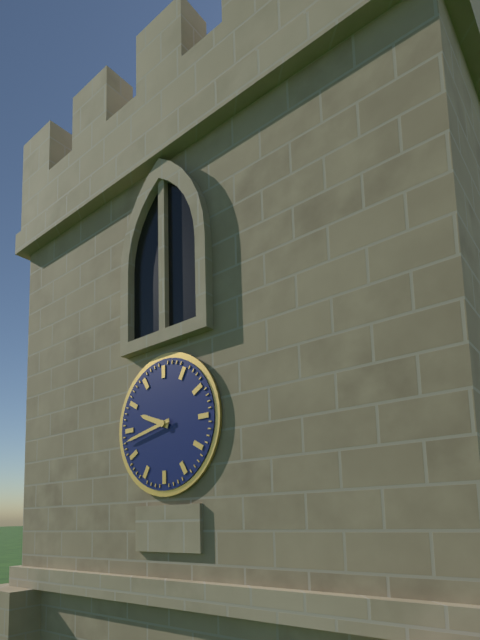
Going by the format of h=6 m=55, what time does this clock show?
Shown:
h=9 m=43
